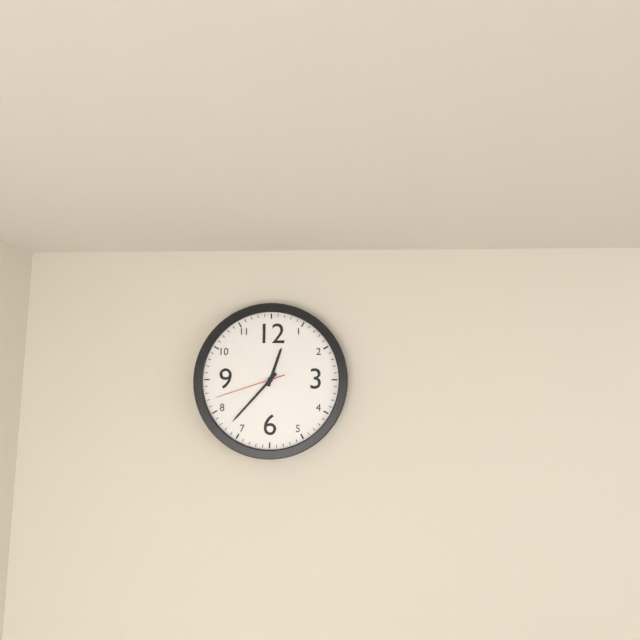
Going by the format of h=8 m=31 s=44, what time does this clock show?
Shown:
h=12 m=37 s=42
